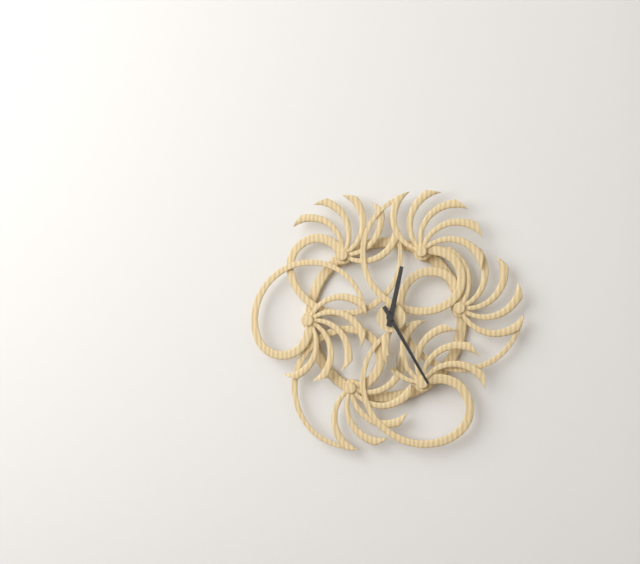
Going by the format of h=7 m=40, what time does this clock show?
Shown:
h=12 m=25
